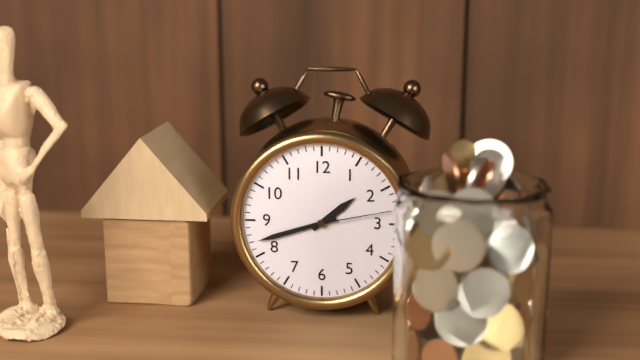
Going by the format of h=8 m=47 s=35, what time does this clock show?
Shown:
h=1 m=42 s=13
